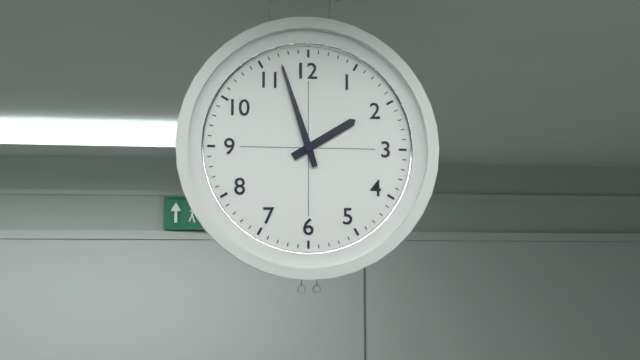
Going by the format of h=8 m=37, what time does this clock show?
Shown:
h=1 m=57
